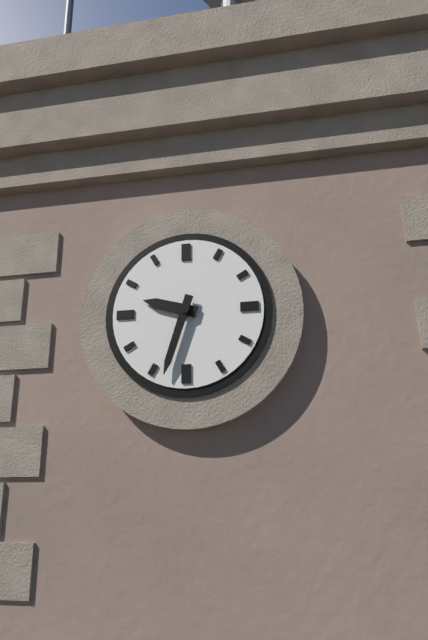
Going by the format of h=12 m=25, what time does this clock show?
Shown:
h=9 m=33
